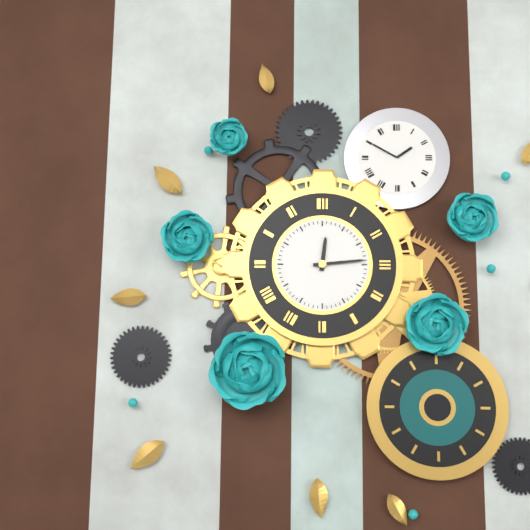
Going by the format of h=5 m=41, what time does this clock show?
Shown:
h=12 m=14
